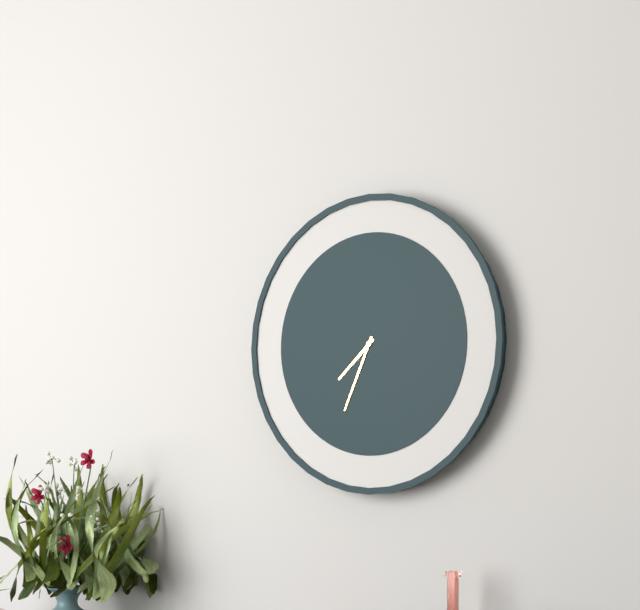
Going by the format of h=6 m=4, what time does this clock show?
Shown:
h=7 m=34
